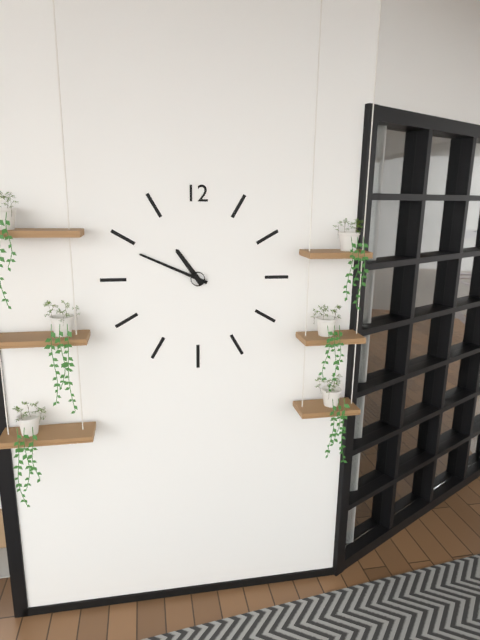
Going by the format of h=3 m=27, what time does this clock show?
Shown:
h=10 m=49
